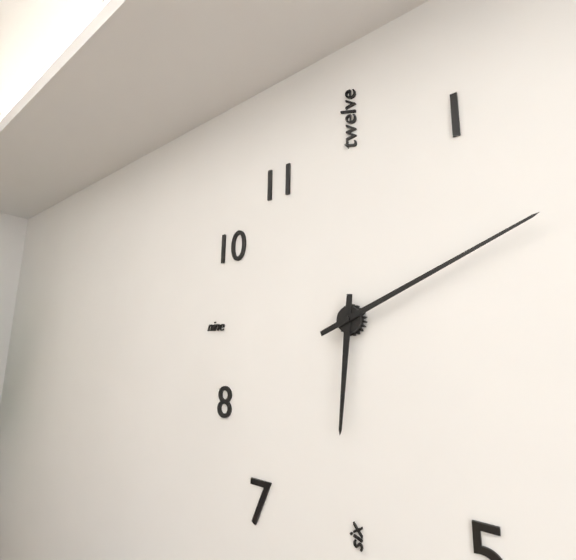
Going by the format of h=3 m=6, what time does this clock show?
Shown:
h=6 m=11
